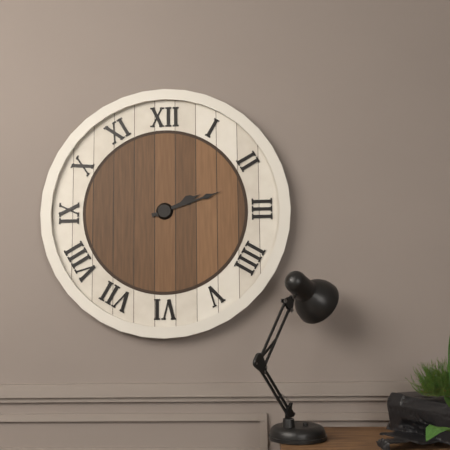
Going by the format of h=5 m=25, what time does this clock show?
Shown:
h=2 m=12
